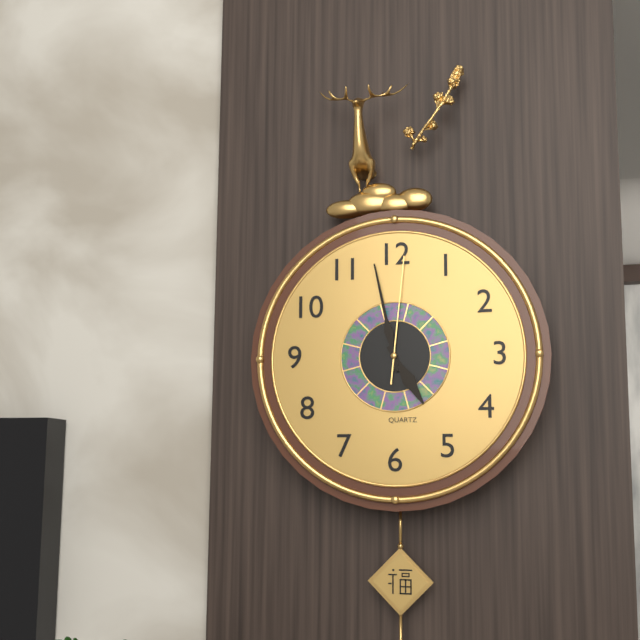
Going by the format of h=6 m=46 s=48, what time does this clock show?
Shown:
h=4 m=58 s=1
